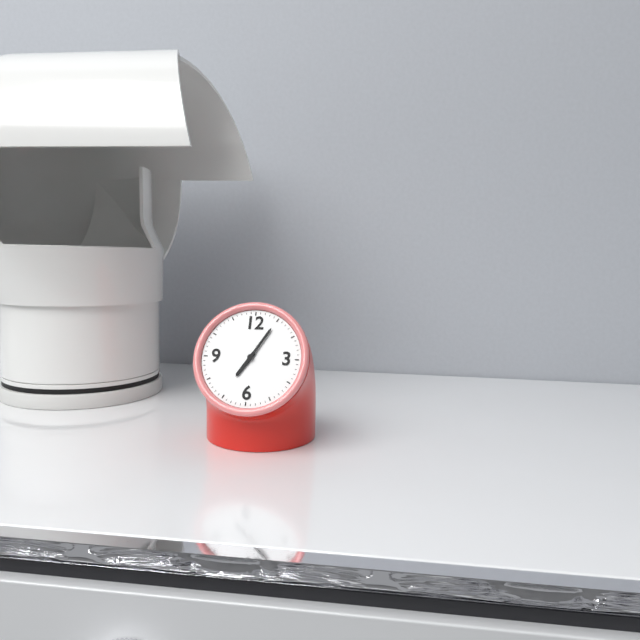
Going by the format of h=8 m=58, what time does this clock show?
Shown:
h=7 m=5
